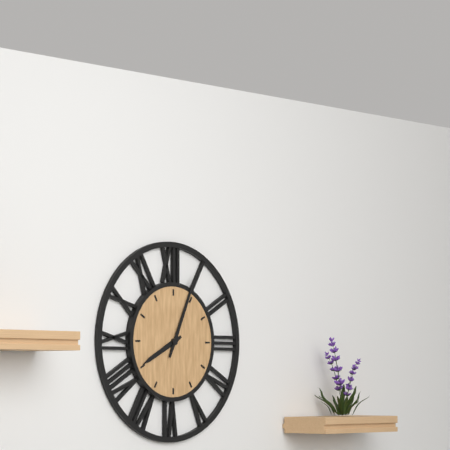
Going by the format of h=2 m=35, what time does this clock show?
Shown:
h=8 m=4
